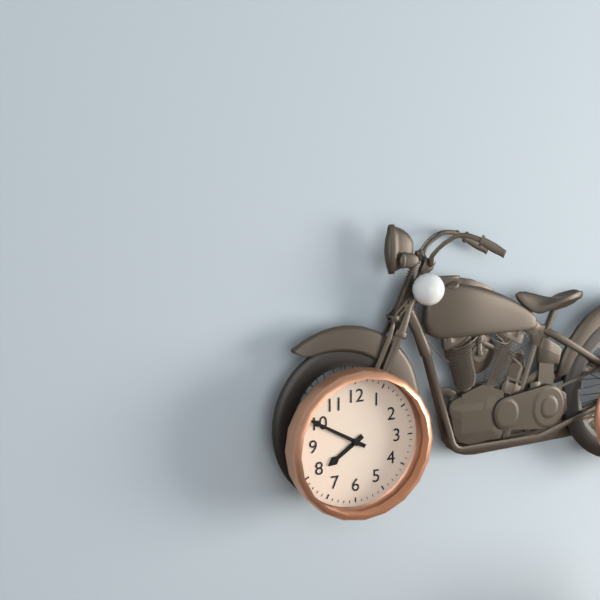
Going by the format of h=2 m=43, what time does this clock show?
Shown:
h=7 m=50
